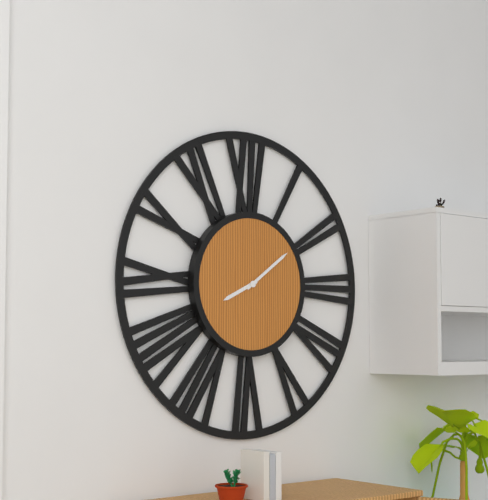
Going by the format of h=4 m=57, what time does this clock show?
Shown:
h=8 m=9
